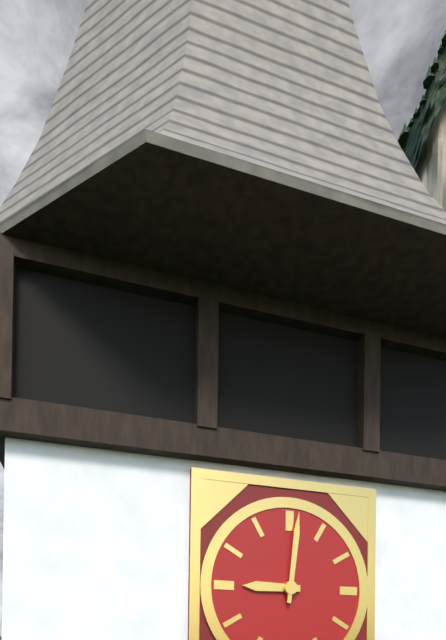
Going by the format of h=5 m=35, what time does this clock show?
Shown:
h=9 m=1
